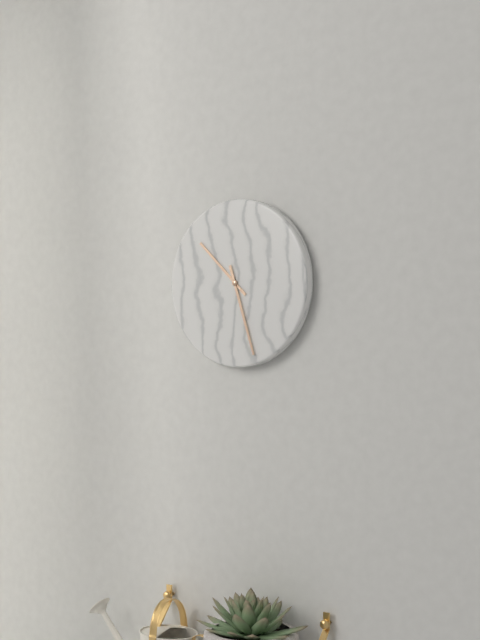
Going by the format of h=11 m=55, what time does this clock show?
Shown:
h=10 m=27
